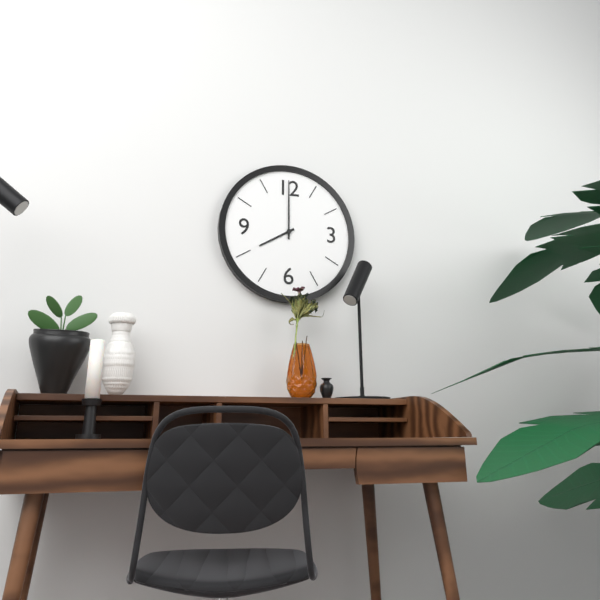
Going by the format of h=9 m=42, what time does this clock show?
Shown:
h=8 m=0
